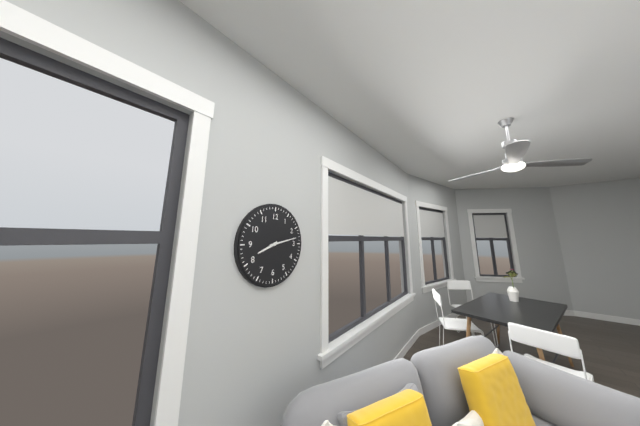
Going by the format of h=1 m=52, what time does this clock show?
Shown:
h=8 m=13
